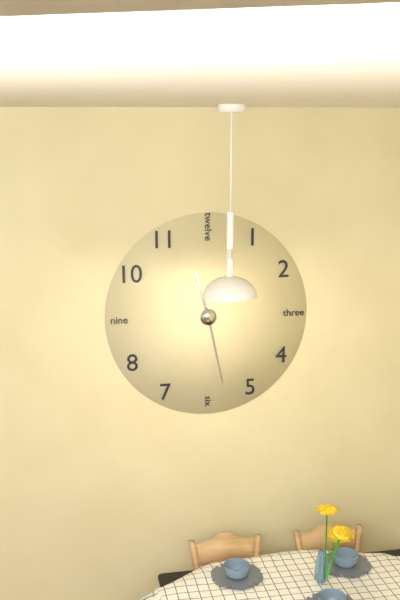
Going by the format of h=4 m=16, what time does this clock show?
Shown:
h=11 m=28
